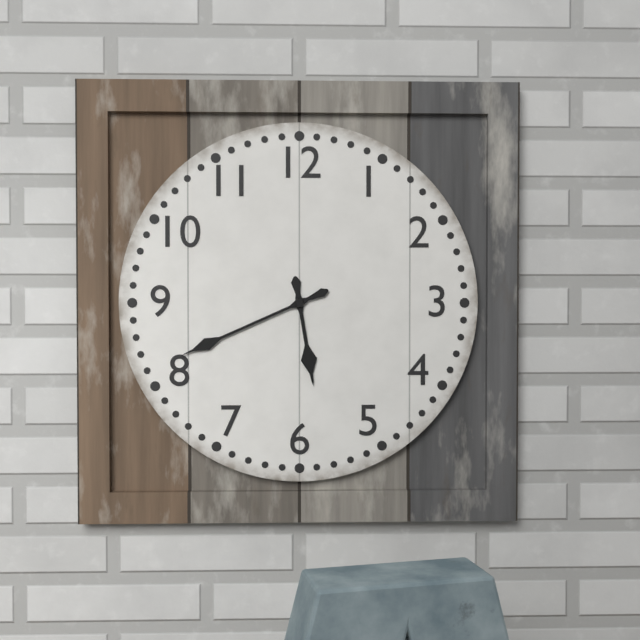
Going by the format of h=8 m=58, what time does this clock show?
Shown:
h=5 m=41
